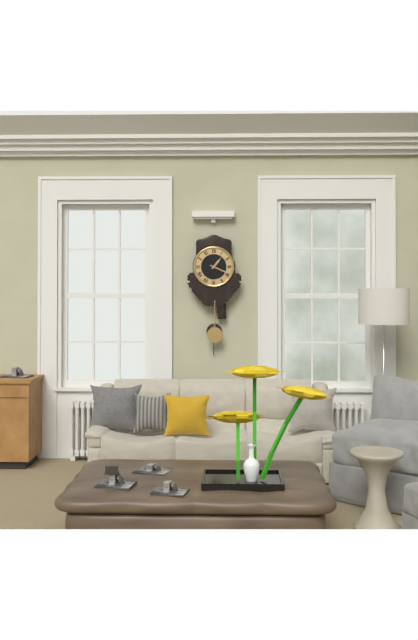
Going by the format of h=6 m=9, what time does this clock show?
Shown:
h=1 m=19
